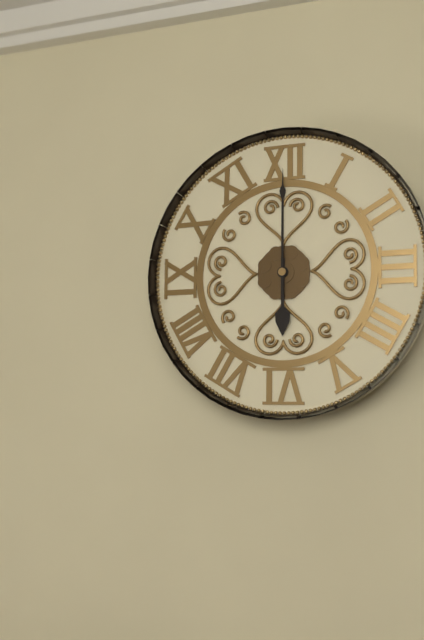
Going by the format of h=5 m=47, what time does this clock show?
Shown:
h=6 m=0
